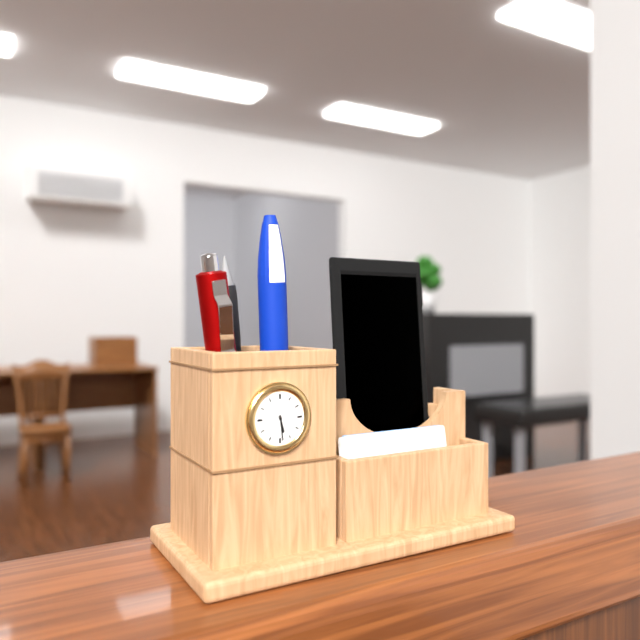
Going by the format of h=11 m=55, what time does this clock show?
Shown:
h=5 m=29
